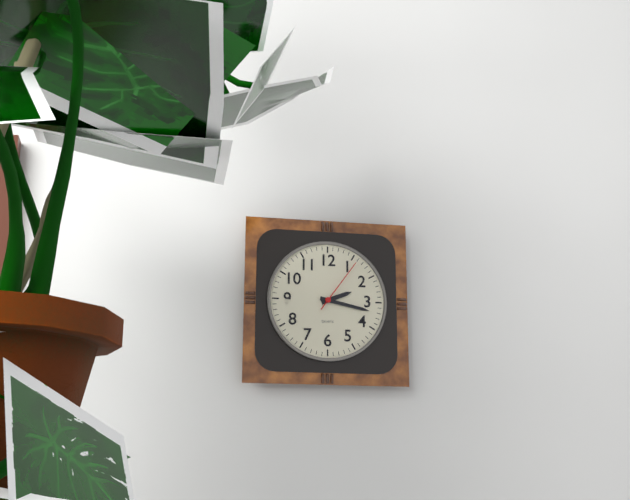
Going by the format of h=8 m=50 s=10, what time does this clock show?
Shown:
h=2 m=17 s=6
